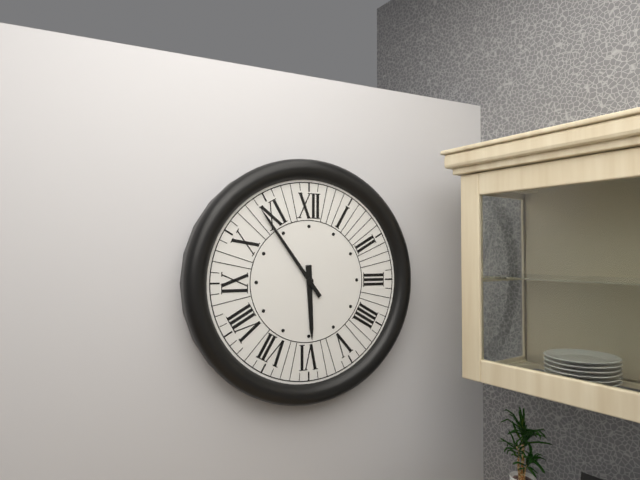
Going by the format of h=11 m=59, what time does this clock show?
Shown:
h=5 m=54
